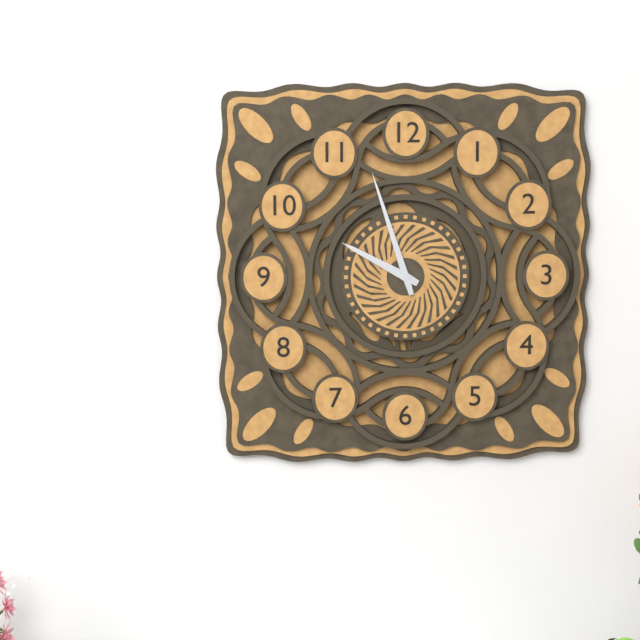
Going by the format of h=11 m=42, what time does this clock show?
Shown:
h=9 m=57
